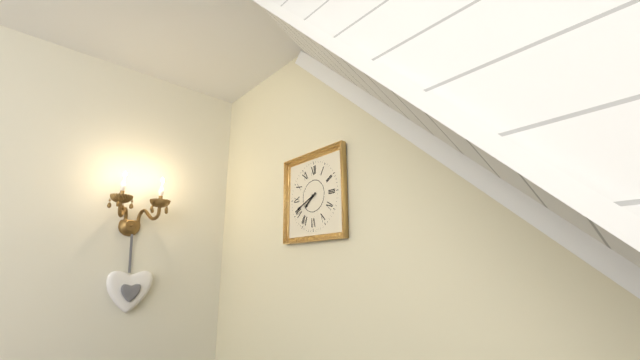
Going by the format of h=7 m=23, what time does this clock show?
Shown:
h=7 m=41
